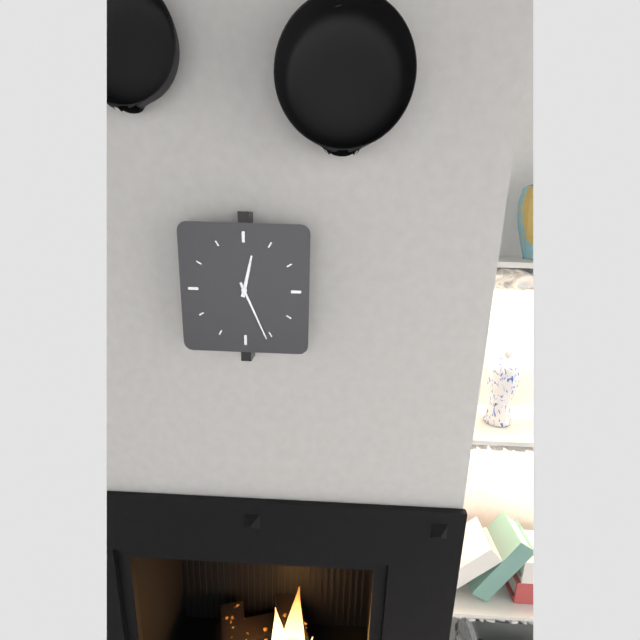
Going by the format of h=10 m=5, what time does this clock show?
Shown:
h=12 m=26
